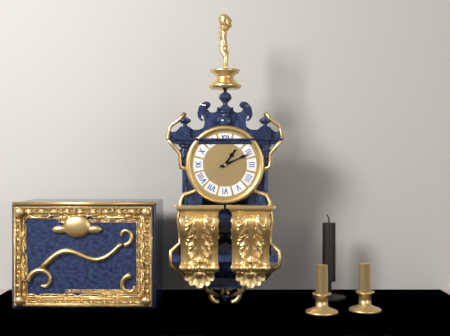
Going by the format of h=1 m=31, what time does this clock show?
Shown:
h=1 m=11
